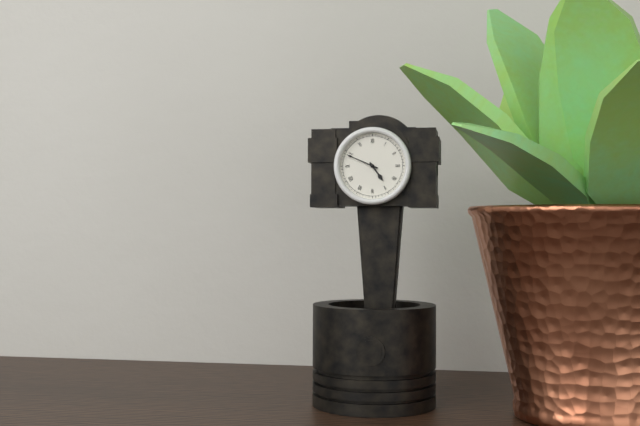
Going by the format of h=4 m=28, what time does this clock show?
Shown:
h=4 m=49
